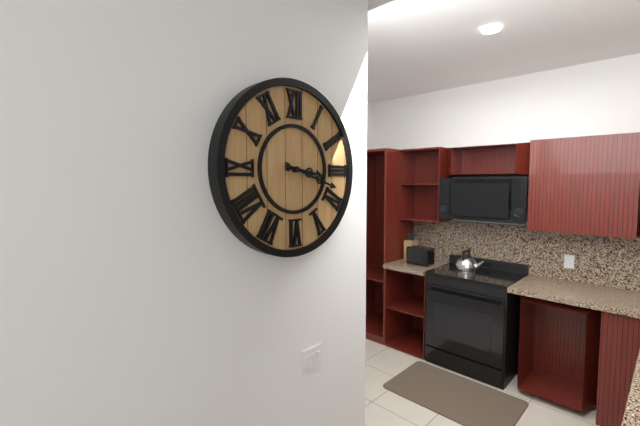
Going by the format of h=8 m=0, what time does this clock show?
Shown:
h=3 m=18
